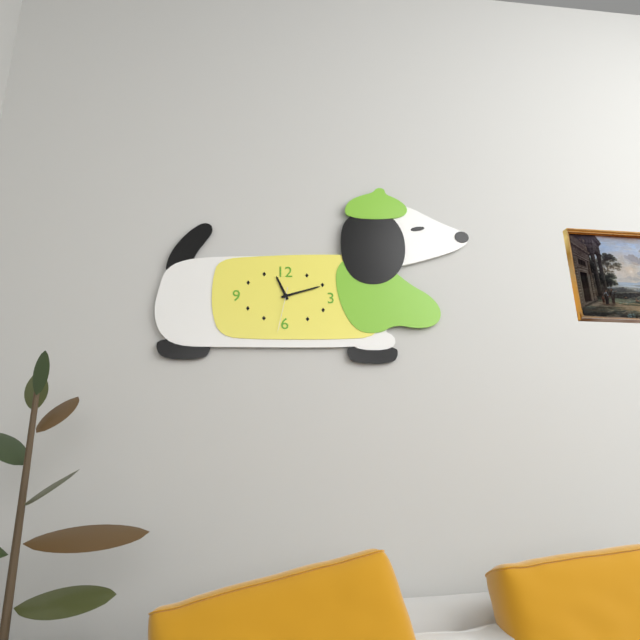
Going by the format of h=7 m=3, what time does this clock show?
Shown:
h=11 m=12
